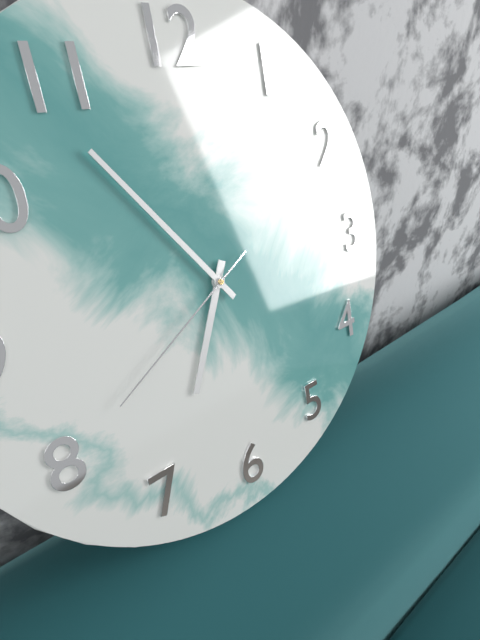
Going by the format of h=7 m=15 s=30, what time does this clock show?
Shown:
h=6 m=54 s=40
